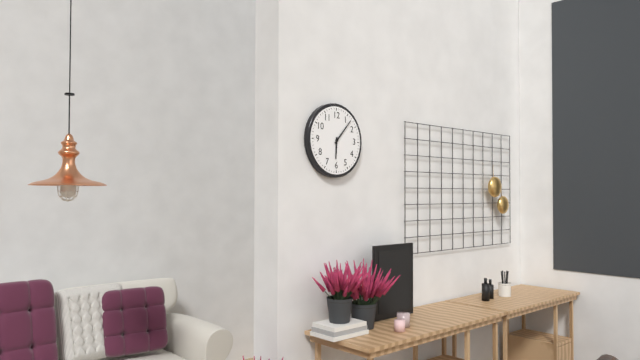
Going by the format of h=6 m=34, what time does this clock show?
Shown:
h=6 m=7
